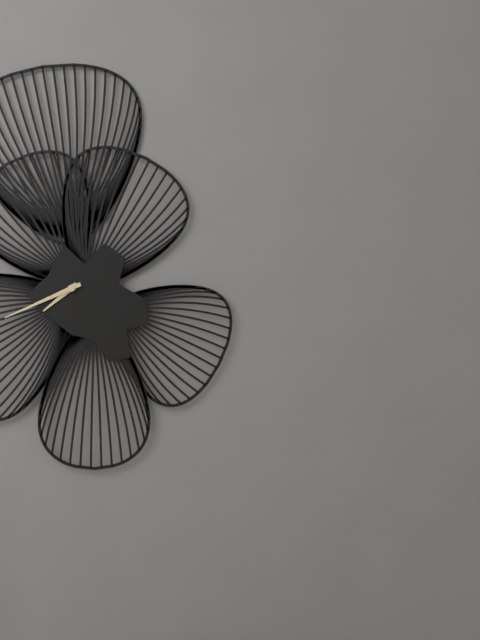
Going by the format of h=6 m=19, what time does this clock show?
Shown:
h=7 m=41
